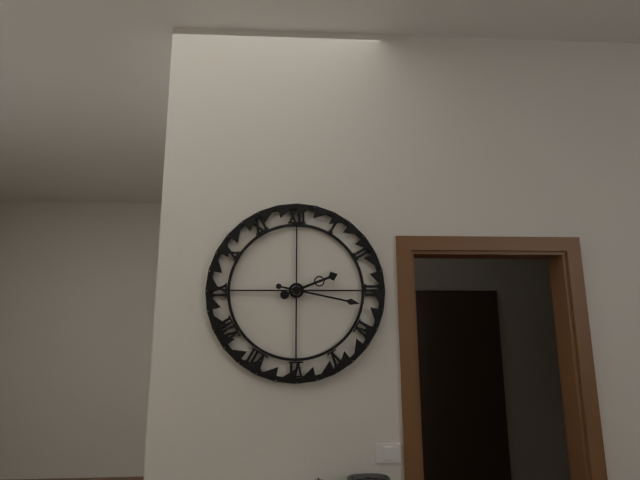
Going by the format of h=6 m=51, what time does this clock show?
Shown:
h=2 m=17
